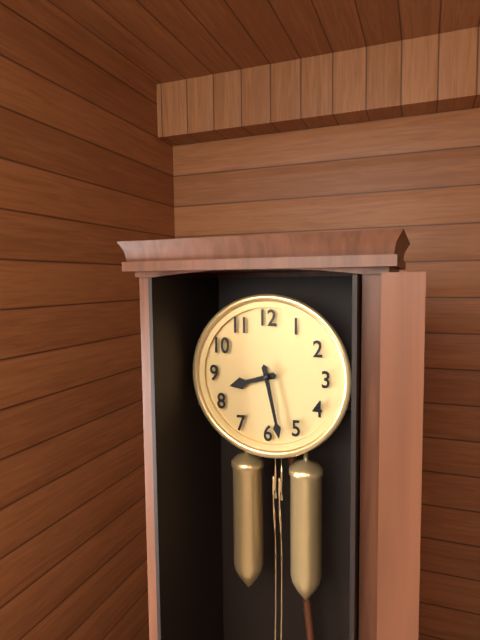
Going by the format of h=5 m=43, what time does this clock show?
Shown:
h=8 m=28
